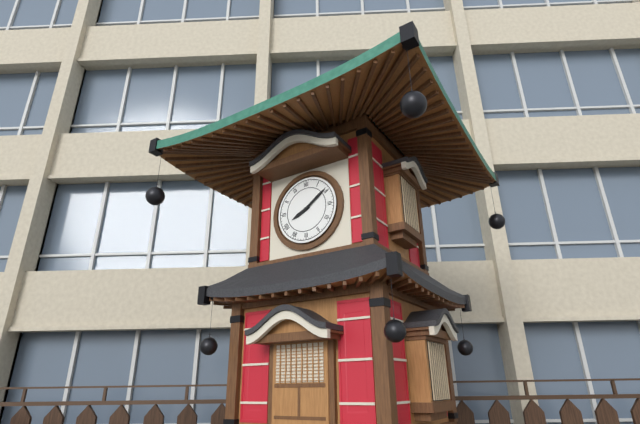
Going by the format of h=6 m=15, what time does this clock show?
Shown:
h=8 m=9
